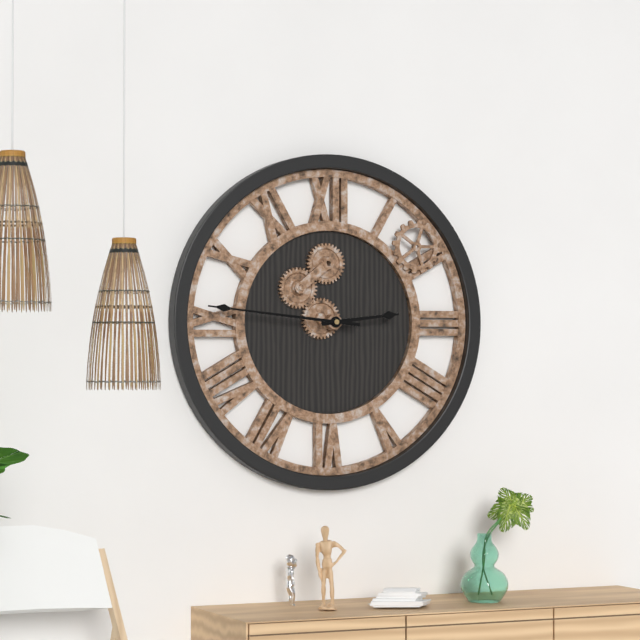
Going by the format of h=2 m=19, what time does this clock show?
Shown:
h=2 m=46
